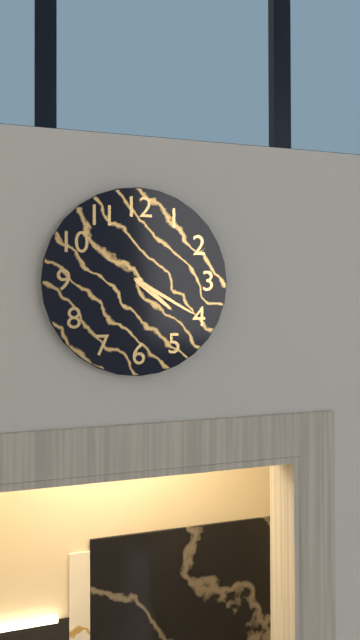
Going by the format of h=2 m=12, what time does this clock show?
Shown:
h=4 m=20
